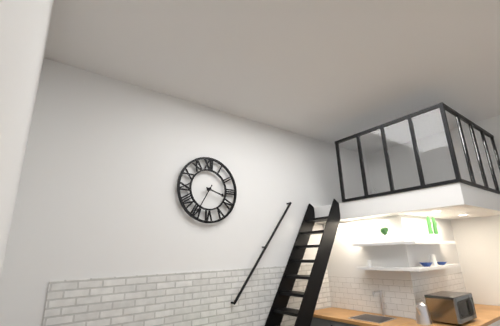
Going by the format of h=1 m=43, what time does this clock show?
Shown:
h=3 m=35
